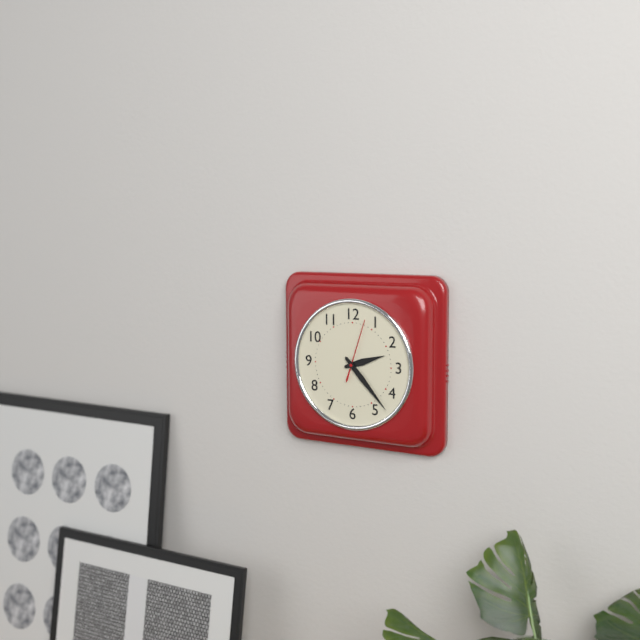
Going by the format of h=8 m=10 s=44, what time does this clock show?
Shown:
h=2 m=23 s=3
